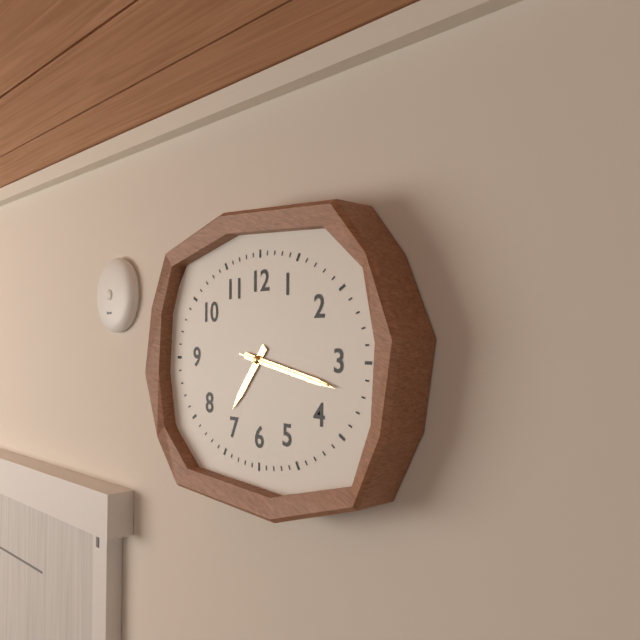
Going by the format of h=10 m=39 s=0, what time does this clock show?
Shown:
h=7 m=17 s=17
